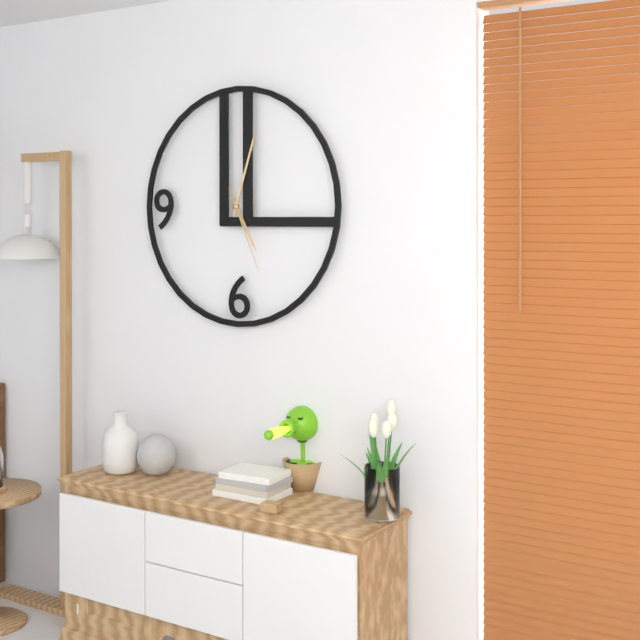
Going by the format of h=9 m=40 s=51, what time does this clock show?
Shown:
h=5 m=3 s=26
